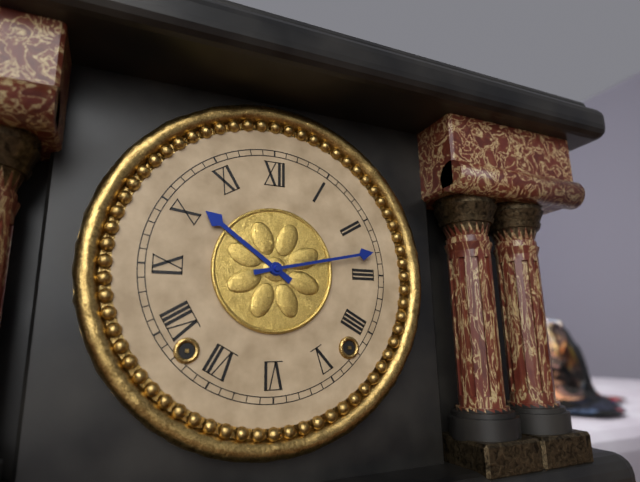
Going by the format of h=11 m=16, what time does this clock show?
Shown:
h=10 m=13
